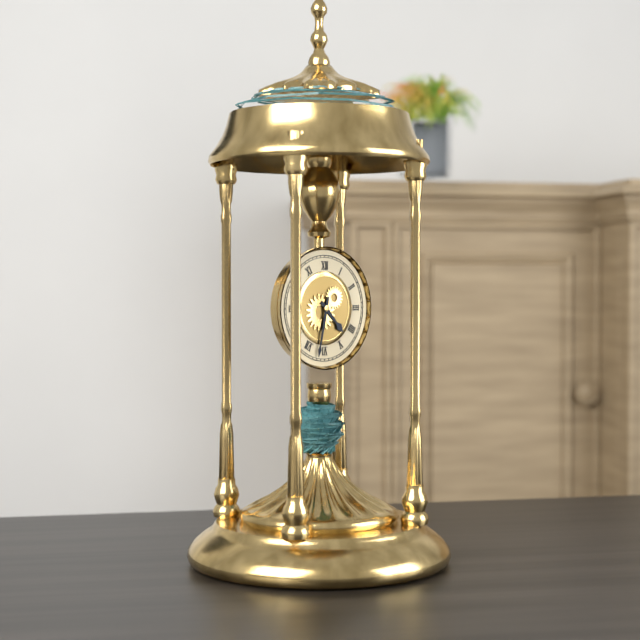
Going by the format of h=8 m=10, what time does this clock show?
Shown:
h=4 m=32
